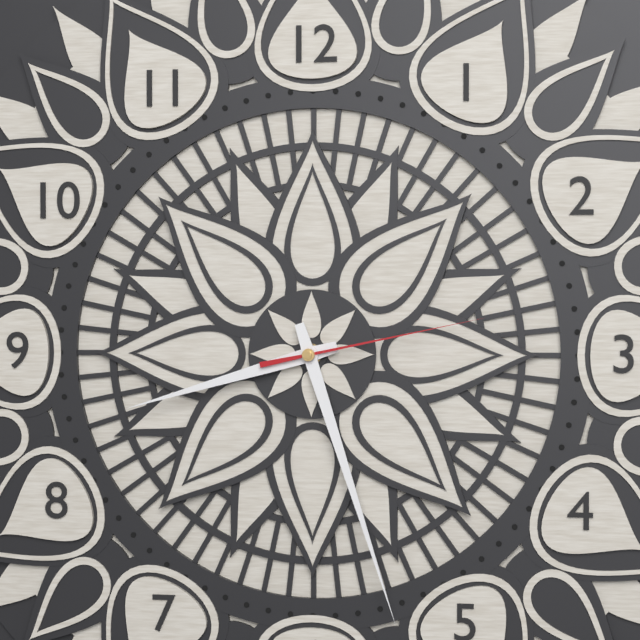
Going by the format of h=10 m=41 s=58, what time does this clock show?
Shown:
h=8 m=27 s=13
